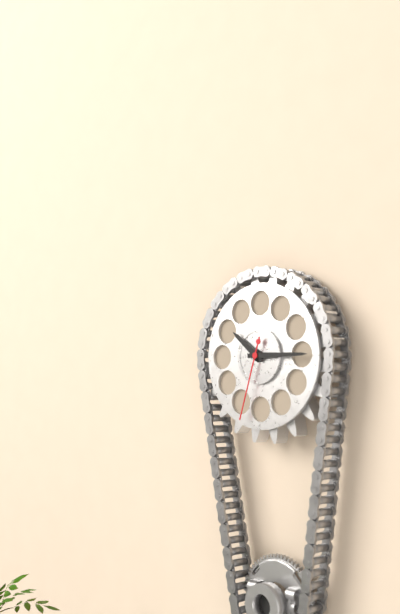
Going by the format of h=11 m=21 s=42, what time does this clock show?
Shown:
h=10 m=15 s=33
